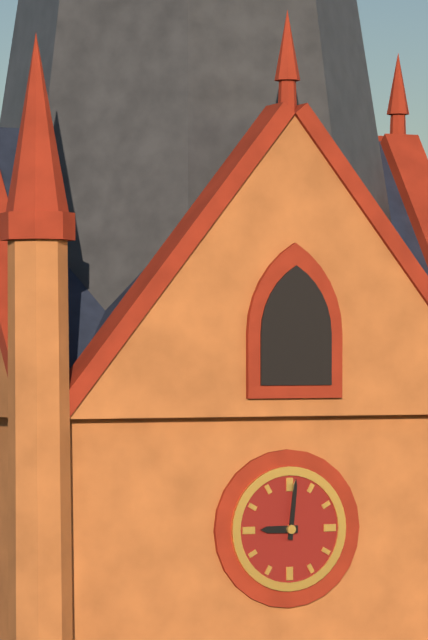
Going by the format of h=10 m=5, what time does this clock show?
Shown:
h=9 m=1
